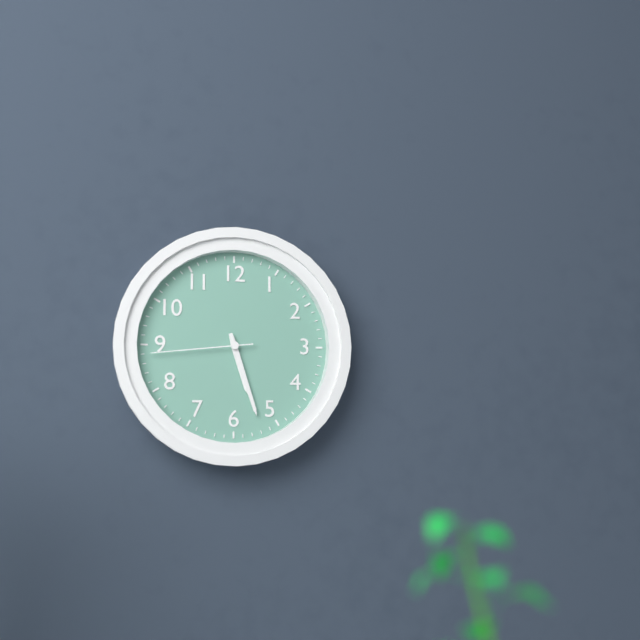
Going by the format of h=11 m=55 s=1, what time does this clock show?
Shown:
h=5 m=27 s=44
